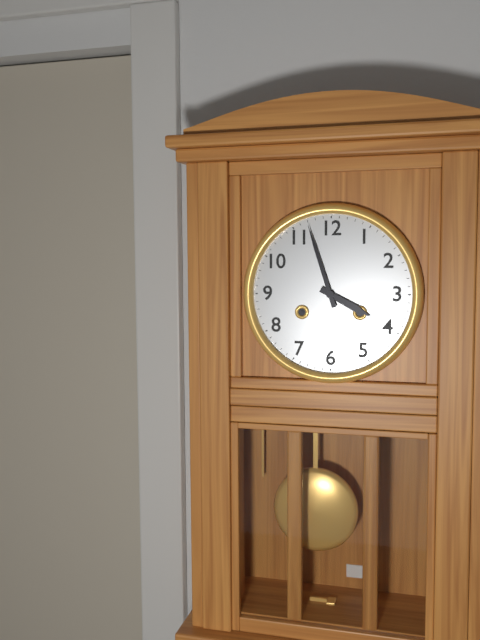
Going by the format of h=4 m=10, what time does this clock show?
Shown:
h=3 m=57
